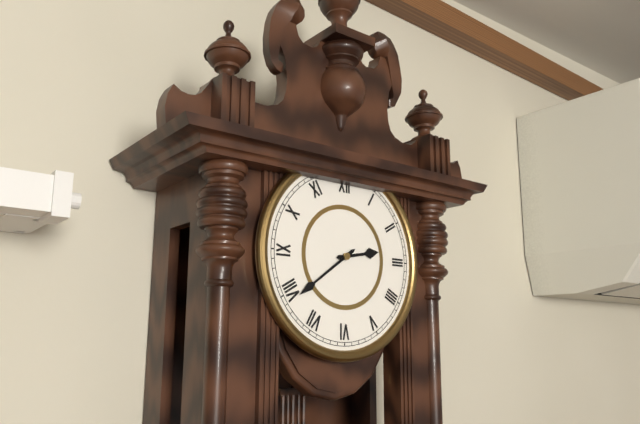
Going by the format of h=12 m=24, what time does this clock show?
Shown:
h=2 m=39
